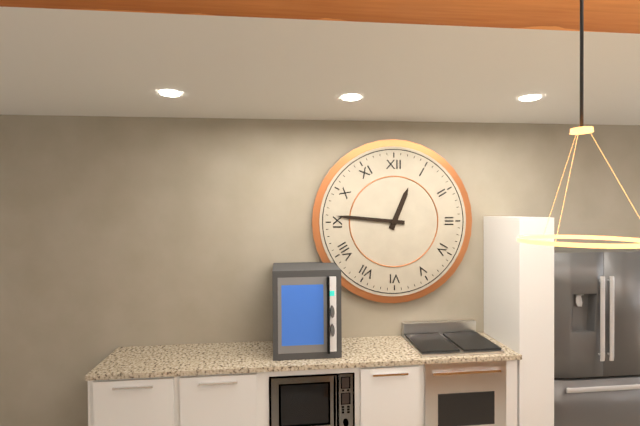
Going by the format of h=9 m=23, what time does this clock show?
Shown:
h=12 m=46
